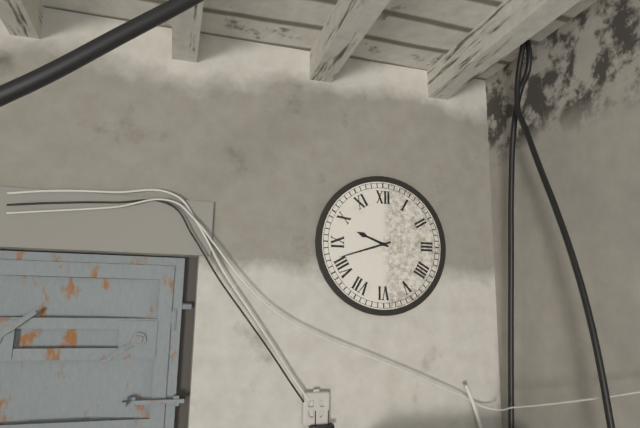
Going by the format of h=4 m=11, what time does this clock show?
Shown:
h=9 m=42
